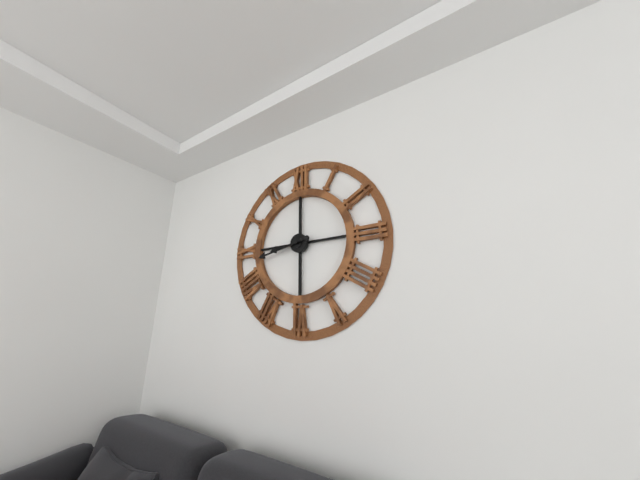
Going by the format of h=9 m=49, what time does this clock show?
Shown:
h=8 m=43
